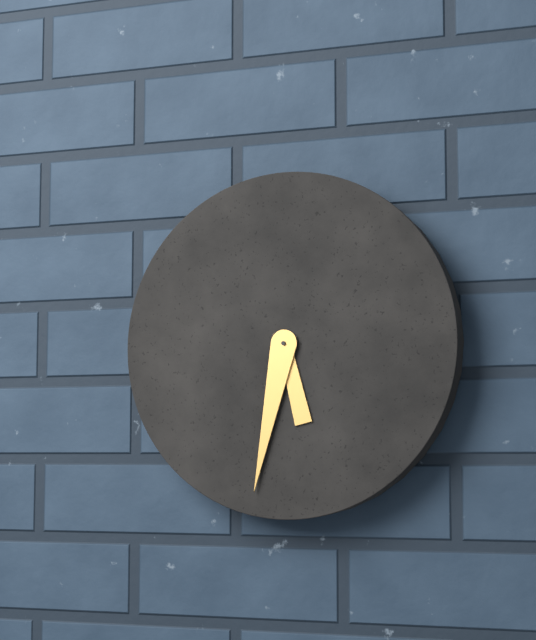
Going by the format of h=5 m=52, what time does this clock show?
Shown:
h=5 m=32
